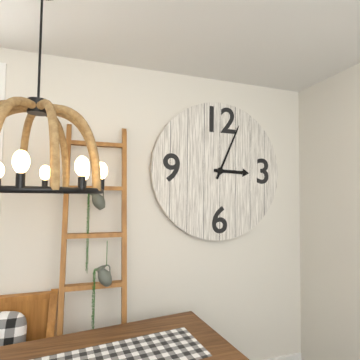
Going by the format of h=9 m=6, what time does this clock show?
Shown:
h=3 m=4
